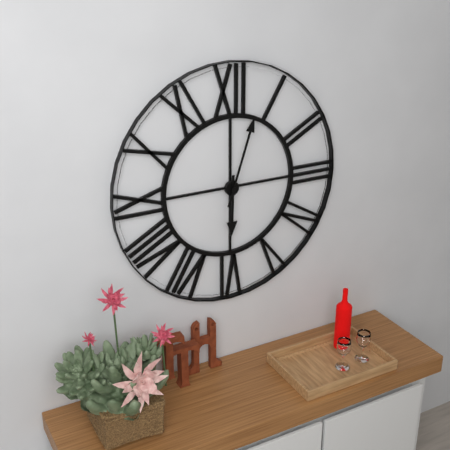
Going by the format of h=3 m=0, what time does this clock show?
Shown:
h=6 m=3
